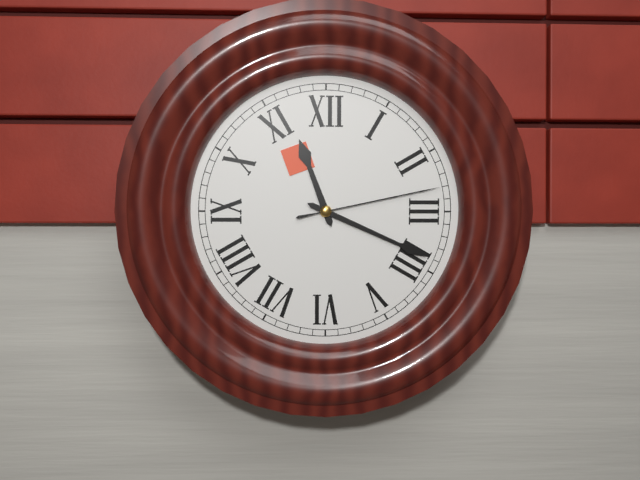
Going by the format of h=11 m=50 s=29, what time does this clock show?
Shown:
h=11 m=19 s=13
